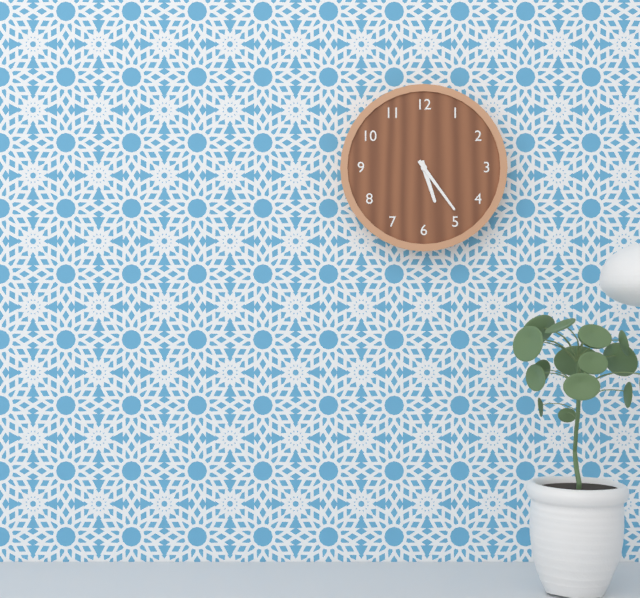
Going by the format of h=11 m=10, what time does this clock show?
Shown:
h=5 m=24
